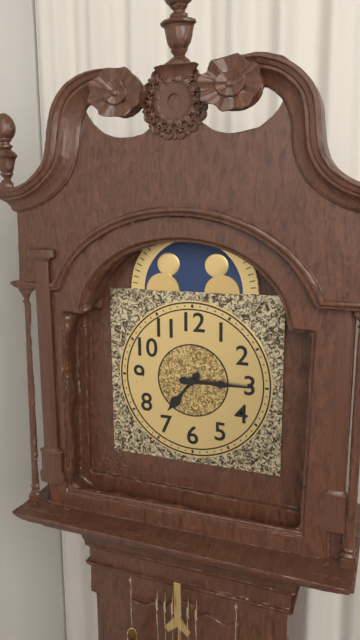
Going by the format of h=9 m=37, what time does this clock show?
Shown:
h=7 m=15
